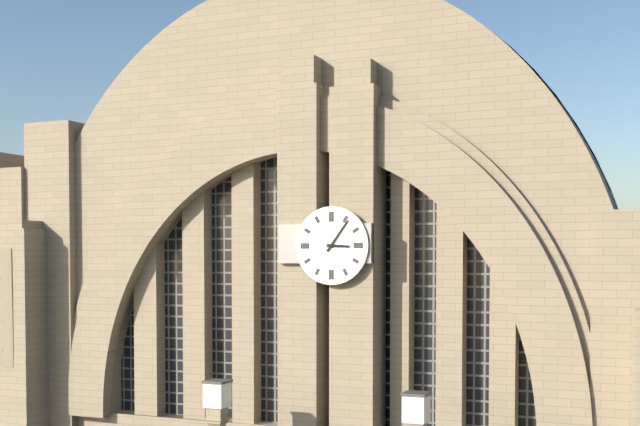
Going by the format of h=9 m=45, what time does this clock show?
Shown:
h=3 m=6
